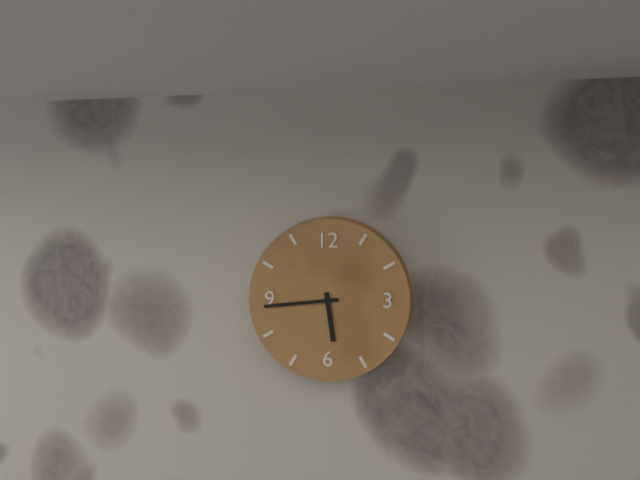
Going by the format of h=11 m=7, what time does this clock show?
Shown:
h=5 m=44
